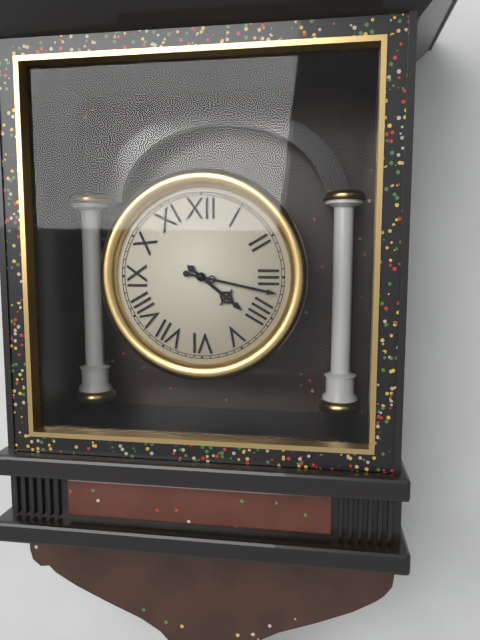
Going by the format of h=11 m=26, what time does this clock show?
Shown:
h=4 m=17
